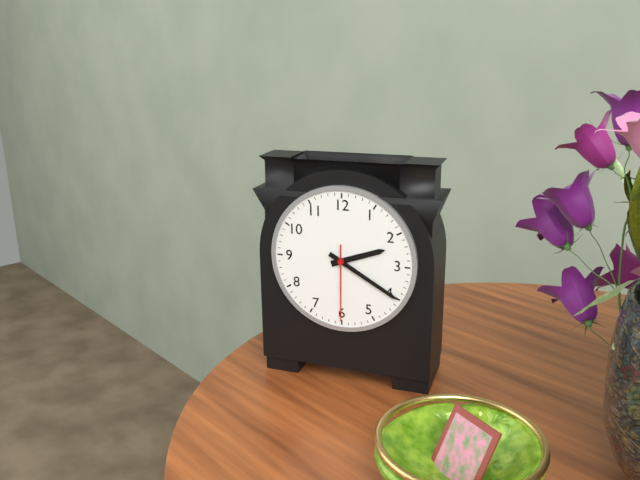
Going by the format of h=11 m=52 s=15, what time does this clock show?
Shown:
h=2 m=20 s=30
